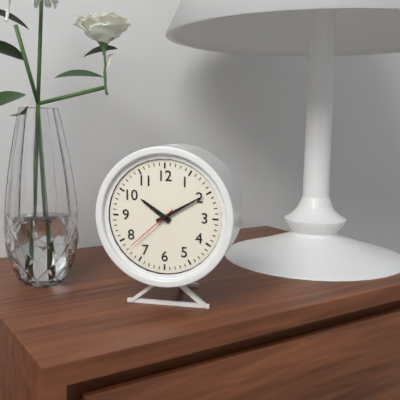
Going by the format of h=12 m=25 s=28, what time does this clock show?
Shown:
h=10 m=10 s=38
